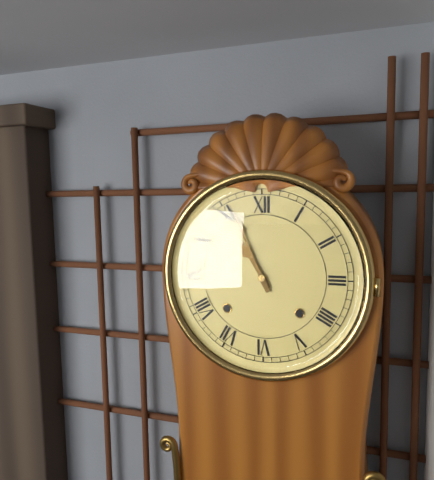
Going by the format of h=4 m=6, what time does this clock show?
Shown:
h=10 m=56
